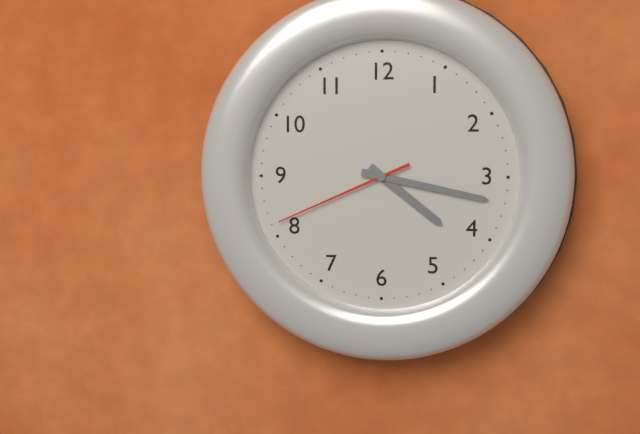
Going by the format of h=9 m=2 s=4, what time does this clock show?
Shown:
h=4 m=17 s=41
